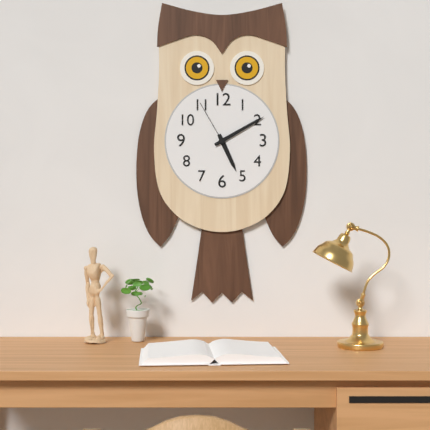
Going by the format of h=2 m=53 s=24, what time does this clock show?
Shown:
h=5 m=10 s=55
